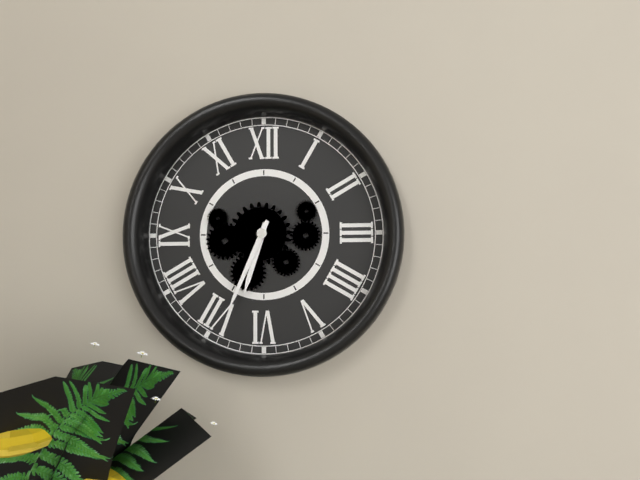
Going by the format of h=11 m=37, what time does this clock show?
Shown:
h=6 m=34
